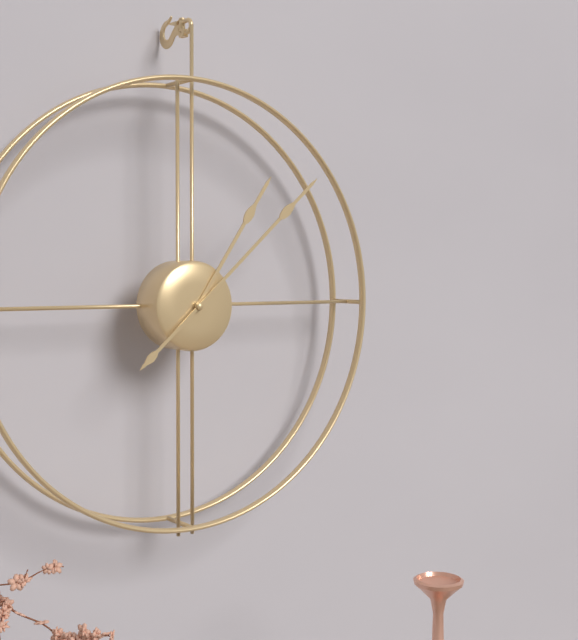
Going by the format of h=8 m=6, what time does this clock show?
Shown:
h=1 m=8
